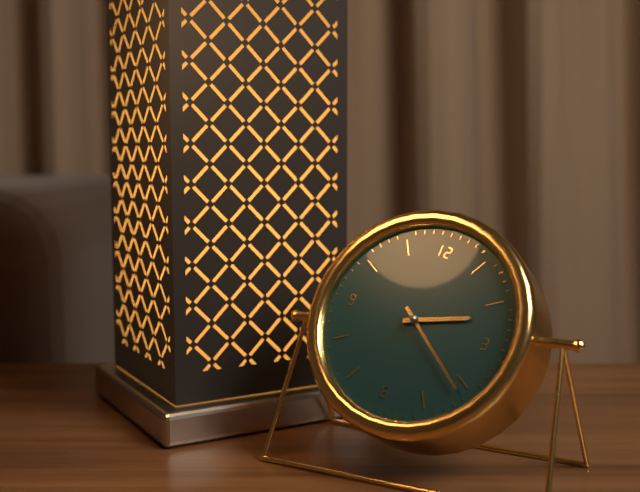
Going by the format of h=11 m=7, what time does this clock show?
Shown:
h=2 m=21
